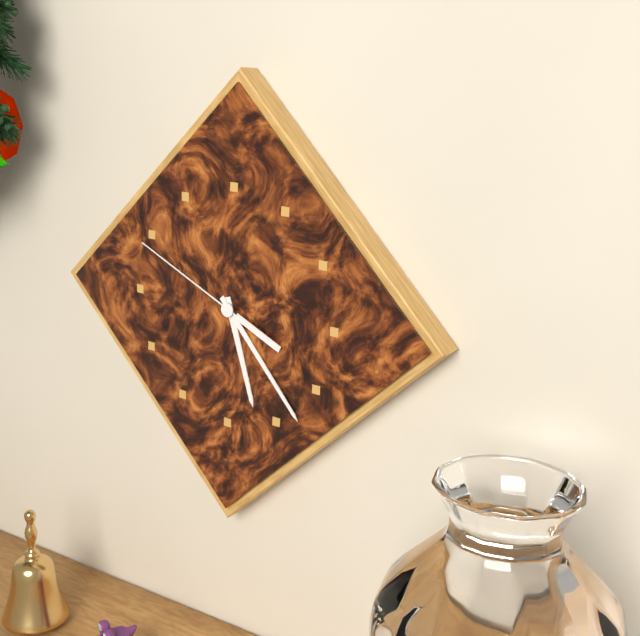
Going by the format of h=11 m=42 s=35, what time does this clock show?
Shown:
h=5 m=23 s=49
